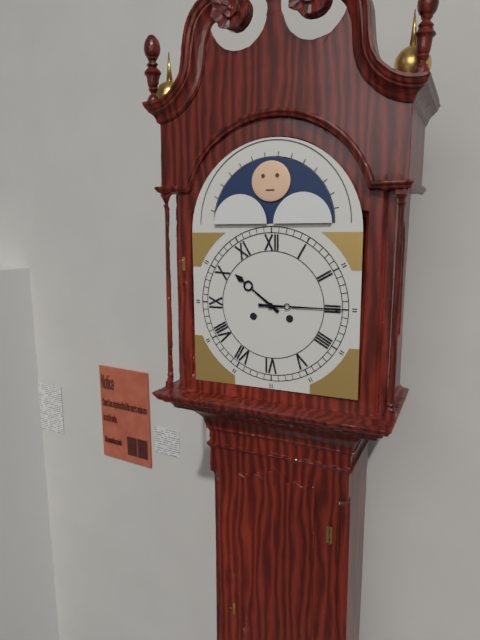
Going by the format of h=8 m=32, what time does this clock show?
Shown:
h=10 m=15
